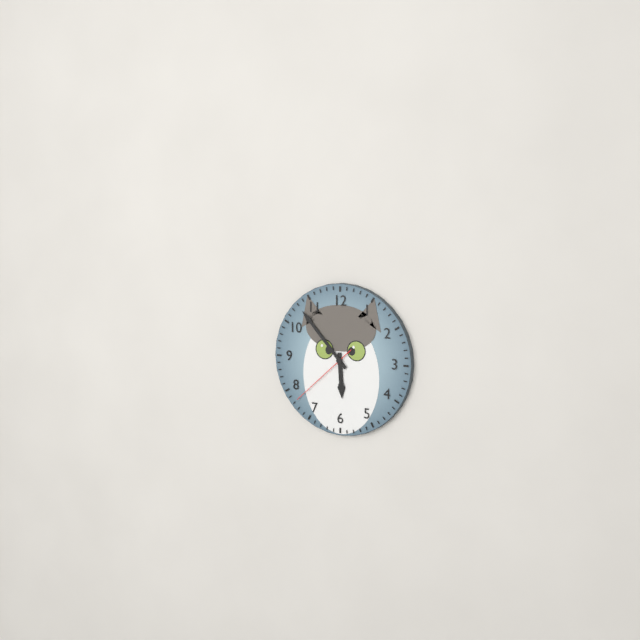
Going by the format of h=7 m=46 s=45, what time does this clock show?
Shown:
h=5 m=53 s=38
